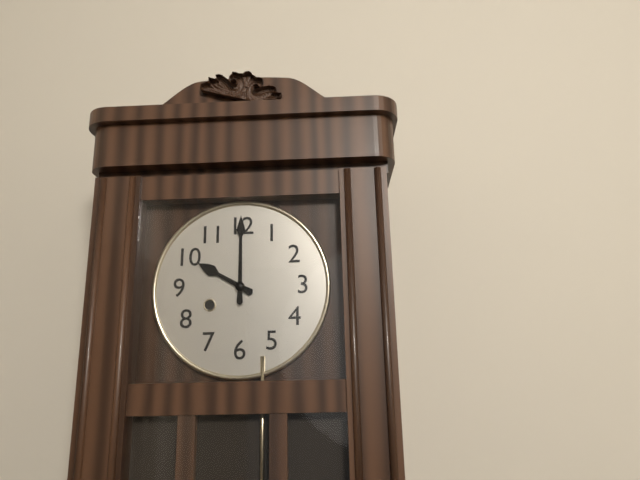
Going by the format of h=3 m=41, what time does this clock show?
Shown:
h=10 m=0
